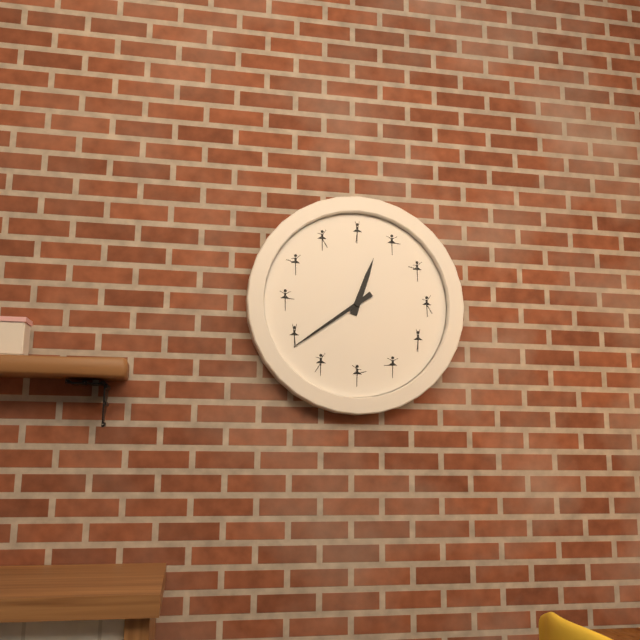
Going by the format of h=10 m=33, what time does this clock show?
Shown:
h=12 m=39
